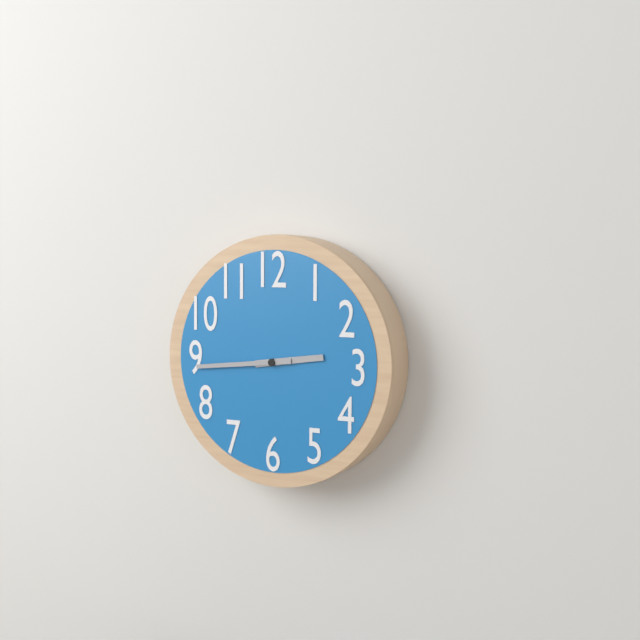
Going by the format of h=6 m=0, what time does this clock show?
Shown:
h=2 m=44
